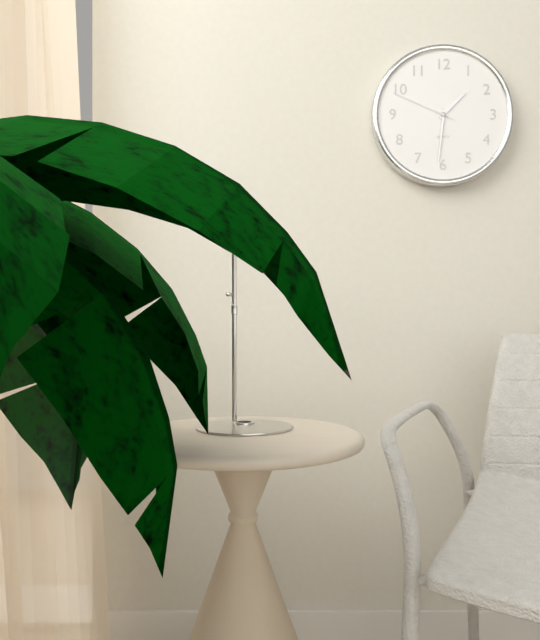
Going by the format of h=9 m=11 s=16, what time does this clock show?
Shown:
h=1 m=31 s=49
